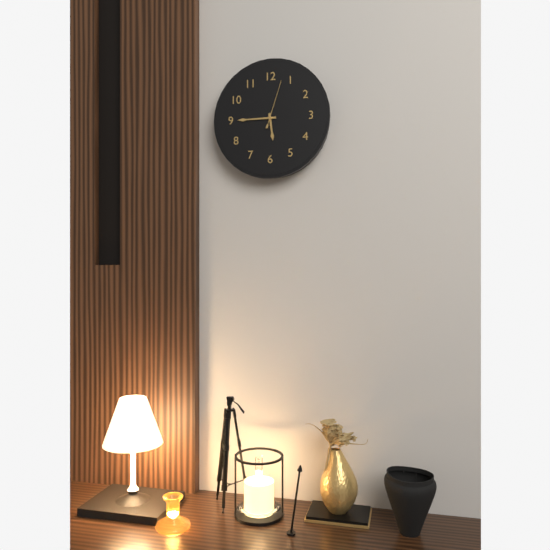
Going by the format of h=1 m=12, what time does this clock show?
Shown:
h=5 m=45
